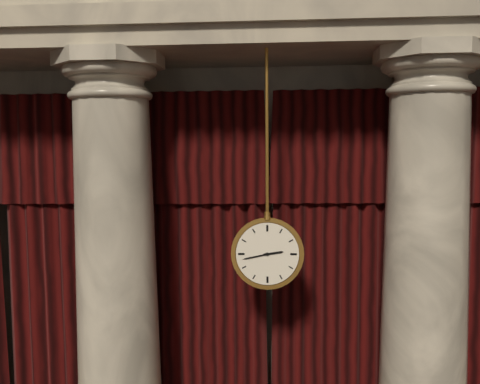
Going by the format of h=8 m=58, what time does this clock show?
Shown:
h=2 m=43
